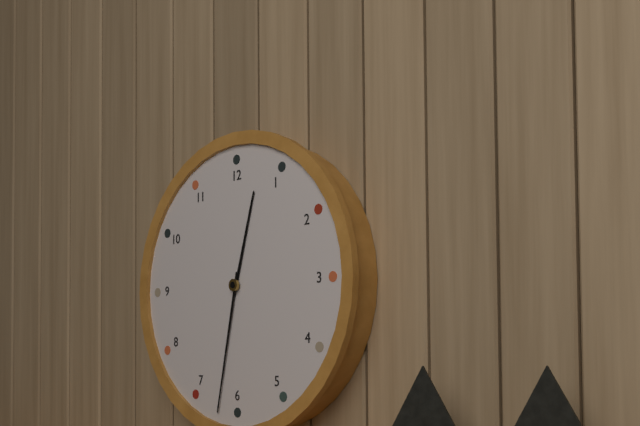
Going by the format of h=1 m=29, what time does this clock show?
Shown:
h=12 m=32
